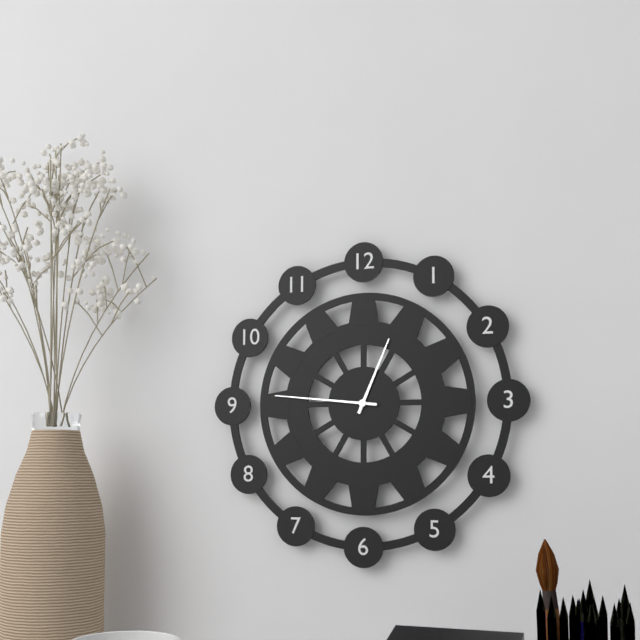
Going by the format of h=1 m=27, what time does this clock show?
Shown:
h=12 m=46
